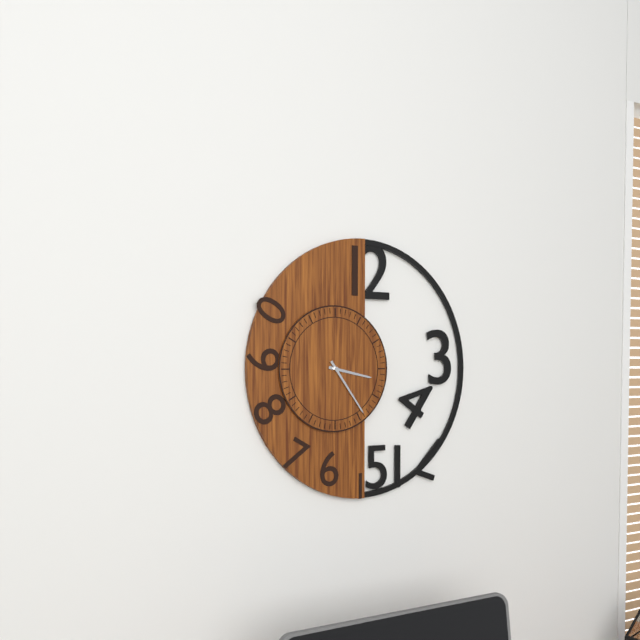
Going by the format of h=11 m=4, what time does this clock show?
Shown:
h=3 m=24
